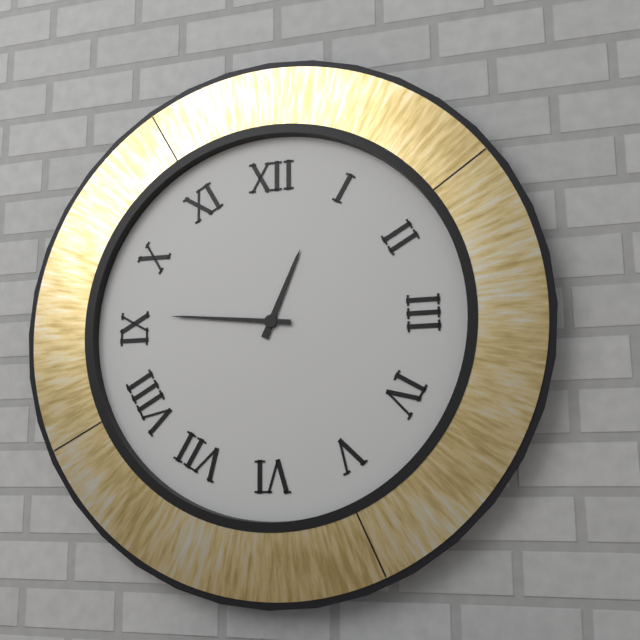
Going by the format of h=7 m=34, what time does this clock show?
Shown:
h=12 m=46
